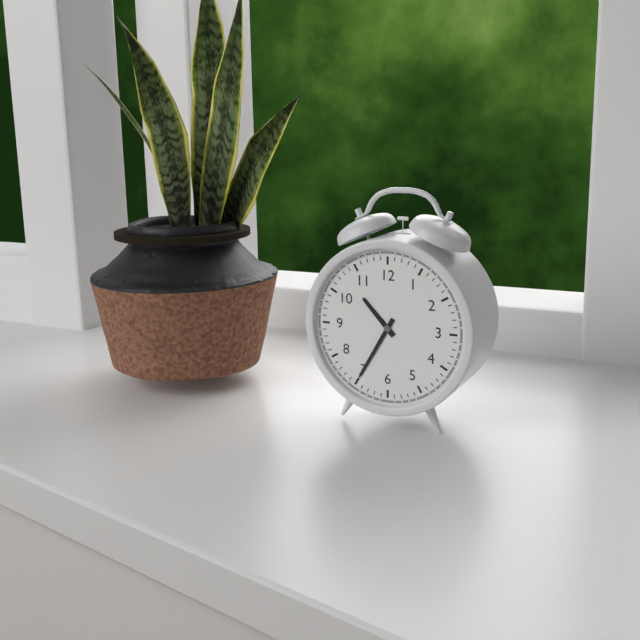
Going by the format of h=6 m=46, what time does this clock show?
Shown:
h=10 m=35
